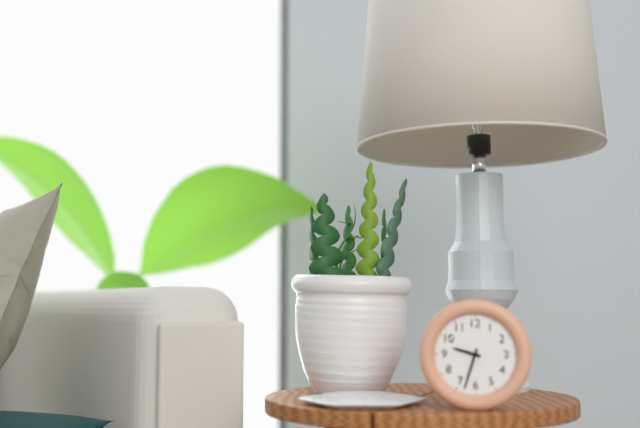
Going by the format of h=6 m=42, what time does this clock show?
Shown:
h=9 m=33
